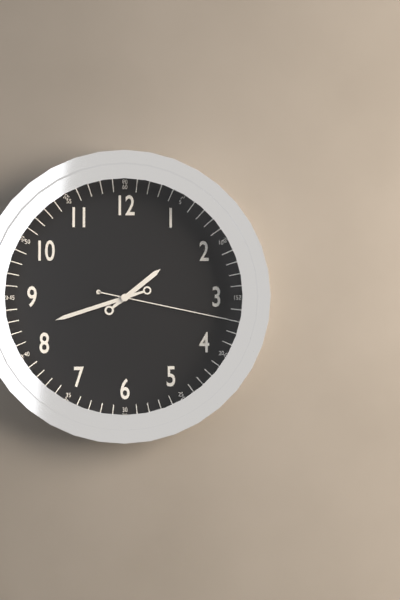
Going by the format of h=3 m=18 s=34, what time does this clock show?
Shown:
h=1 m=42 s=17
